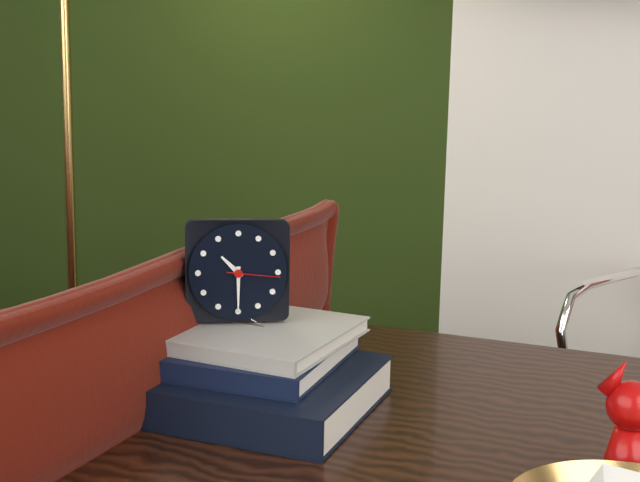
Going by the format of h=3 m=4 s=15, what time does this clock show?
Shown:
h=10 m=30 s=16
